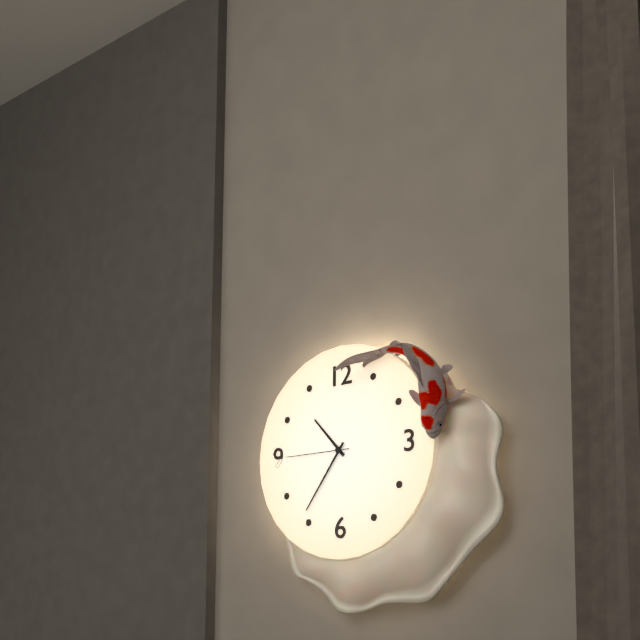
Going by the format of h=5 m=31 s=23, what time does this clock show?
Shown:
h=10 m=36 s=45
